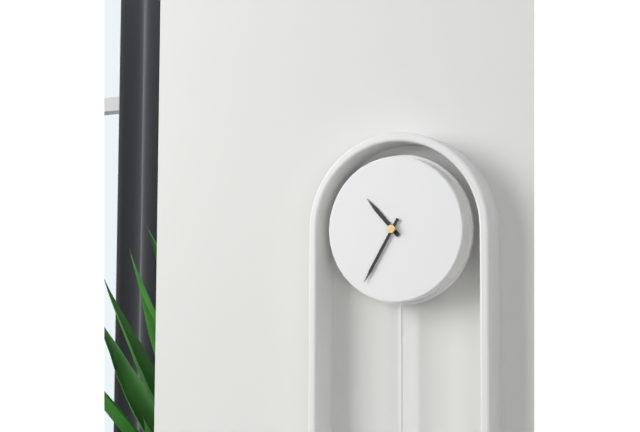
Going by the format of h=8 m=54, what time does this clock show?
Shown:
h=10 m=35
